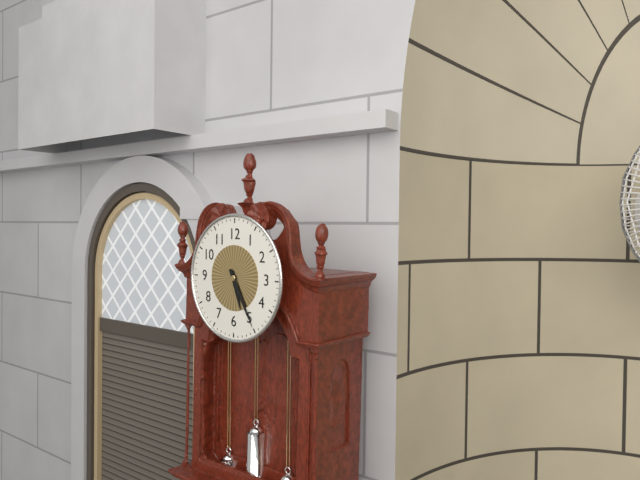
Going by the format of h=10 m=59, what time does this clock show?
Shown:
h=5 m=25
